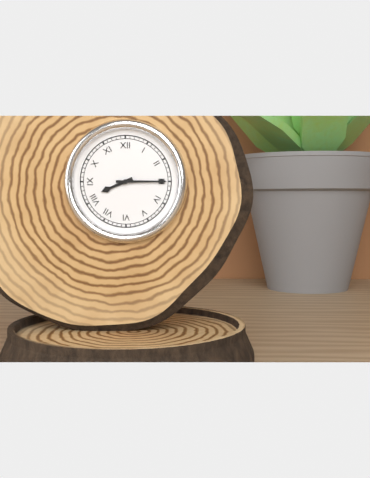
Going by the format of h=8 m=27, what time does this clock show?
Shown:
h=8 m=15
